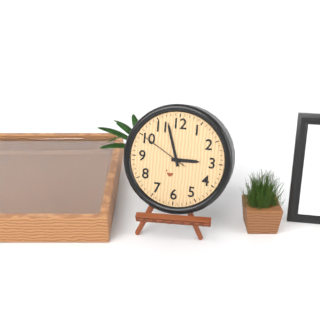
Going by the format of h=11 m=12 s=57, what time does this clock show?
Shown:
h=2 m=57 s=50
